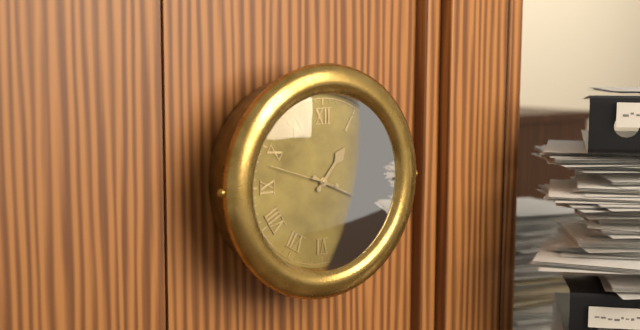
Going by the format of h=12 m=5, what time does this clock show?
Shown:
h=1 m=19
